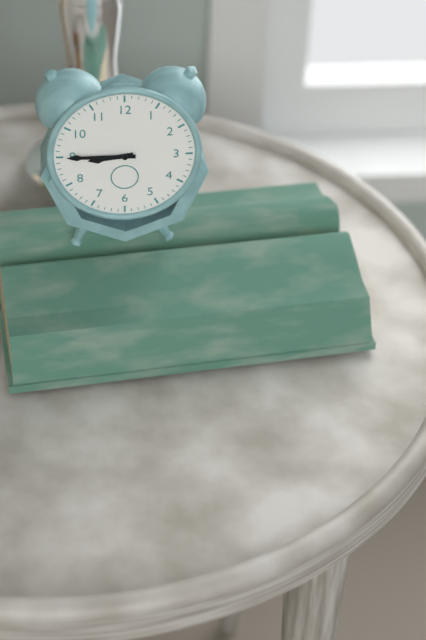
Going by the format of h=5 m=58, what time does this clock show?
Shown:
h=8 m=45
